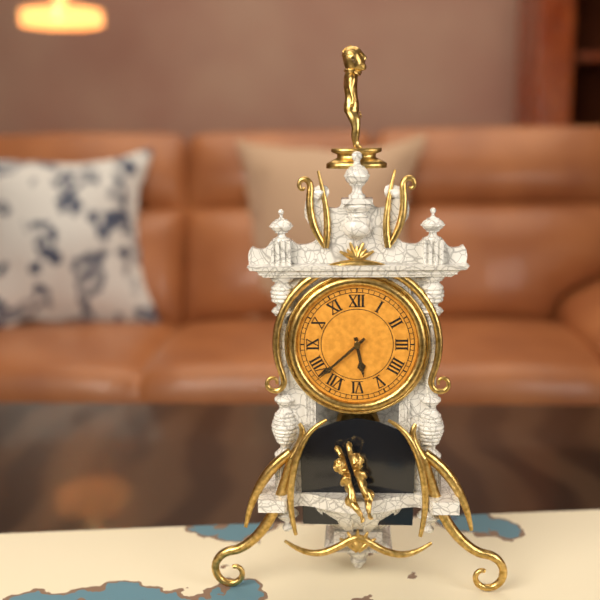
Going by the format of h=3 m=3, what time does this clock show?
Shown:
h=5 m=38
